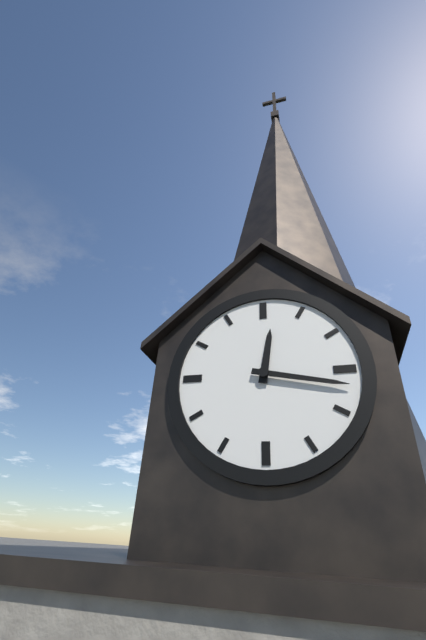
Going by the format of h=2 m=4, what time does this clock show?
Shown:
h=12 m=17
